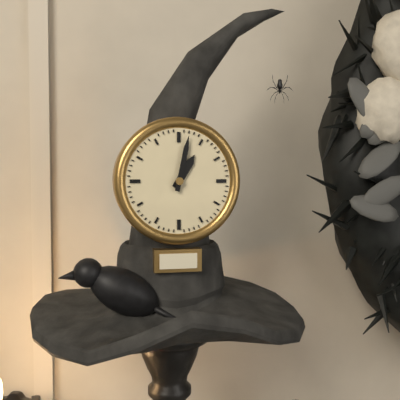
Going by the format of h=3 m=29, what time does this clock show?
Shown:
h=1 m=2
